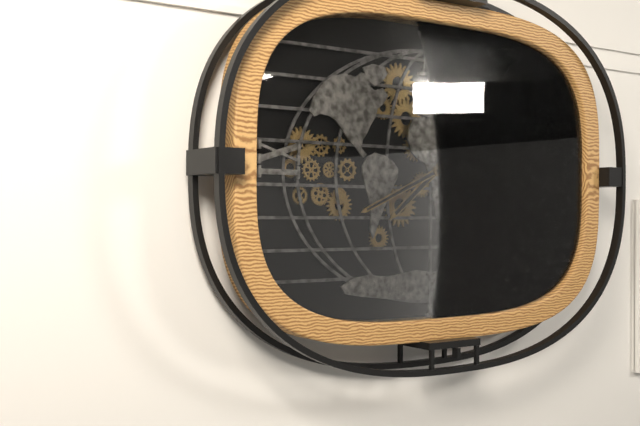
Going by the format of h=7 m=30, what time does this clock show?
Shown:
h=7 m=41
